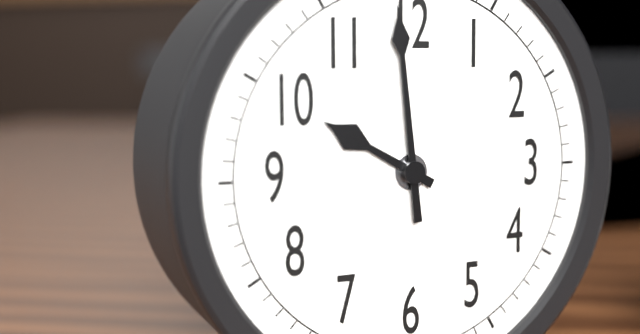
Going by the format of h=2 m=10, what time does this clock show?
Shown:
h=9 m=59
